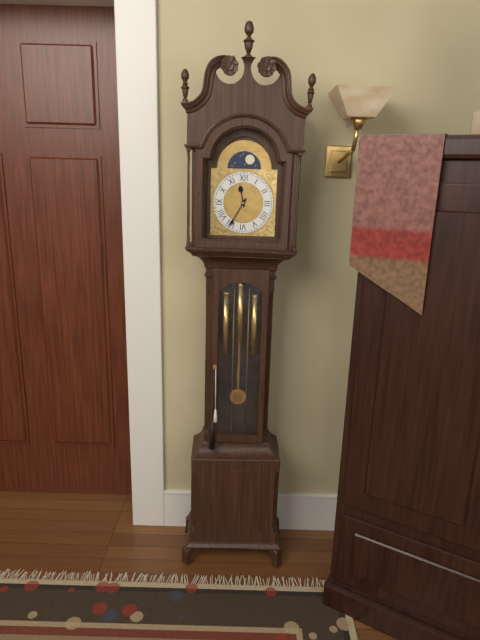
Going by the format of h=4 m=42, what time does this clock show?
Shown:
h=11 m=35
